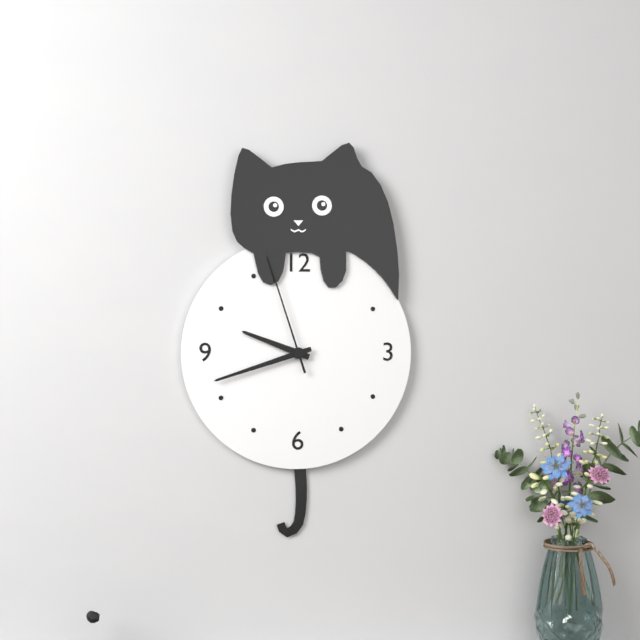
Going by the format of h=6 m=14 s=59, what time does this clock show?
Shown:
h=9 m=42 s=57
